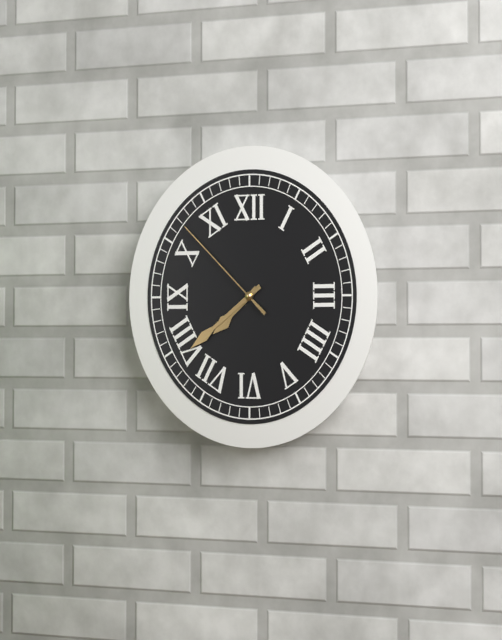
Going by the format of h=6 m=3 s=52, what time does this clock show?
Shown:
h=7 m=39 s=52
